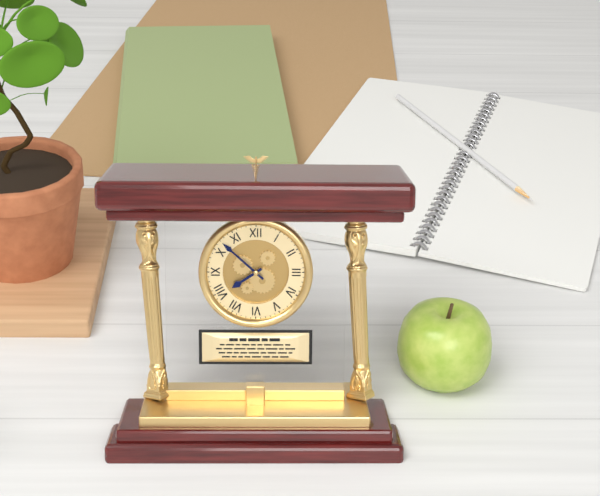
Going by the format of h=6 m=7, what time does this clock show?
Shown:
h=7 m=52
